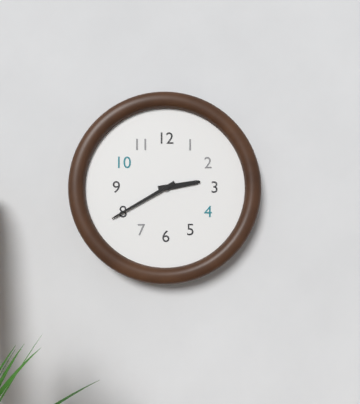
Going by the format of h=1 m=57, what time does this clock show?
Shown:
h=2 m=40
